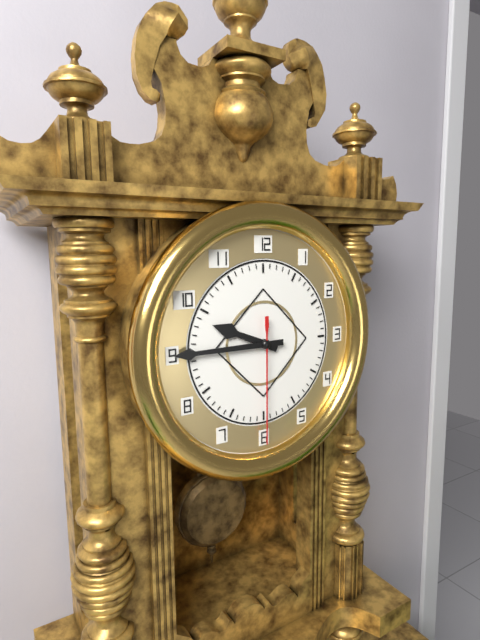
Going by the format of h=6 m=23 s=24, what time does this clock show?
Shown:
h=9 m=45 s=30
